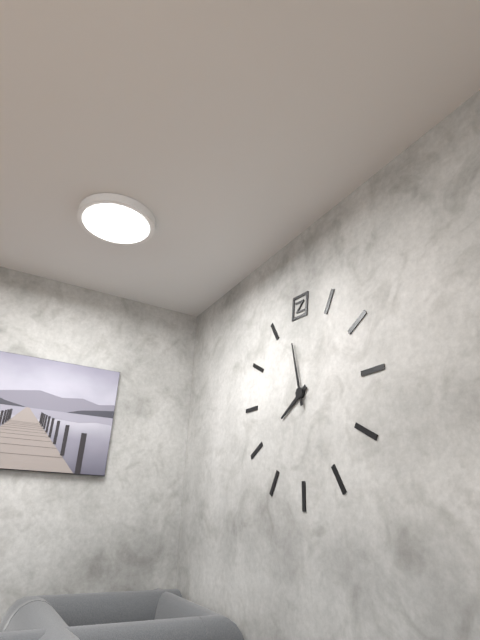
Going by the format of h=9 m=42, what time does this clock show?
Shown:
h=7 m=58
